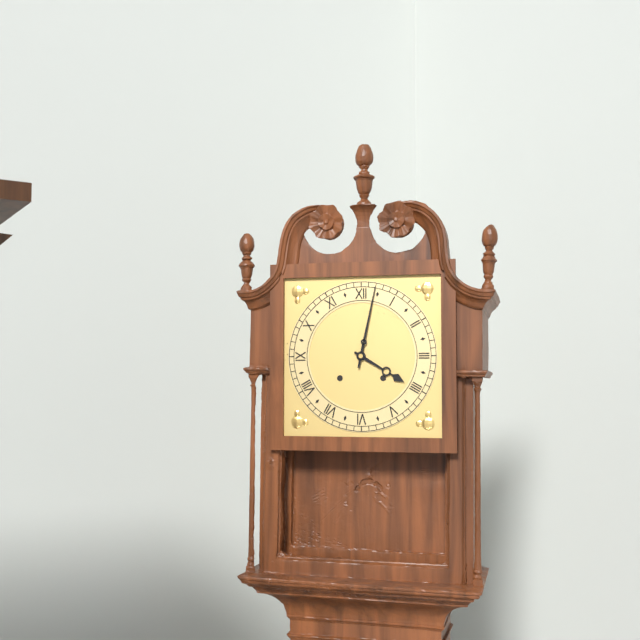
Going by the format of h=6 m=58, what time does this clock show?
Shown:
h=4 m=2
